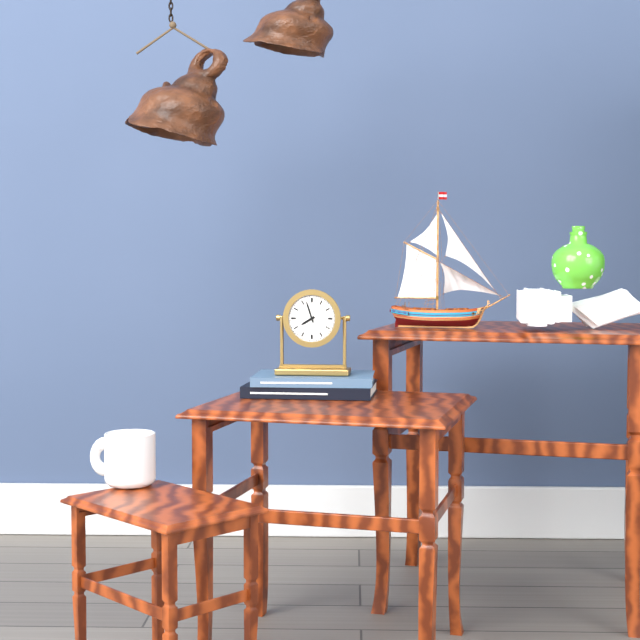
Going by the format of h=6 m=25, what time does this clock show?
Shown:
h=7 m=57
